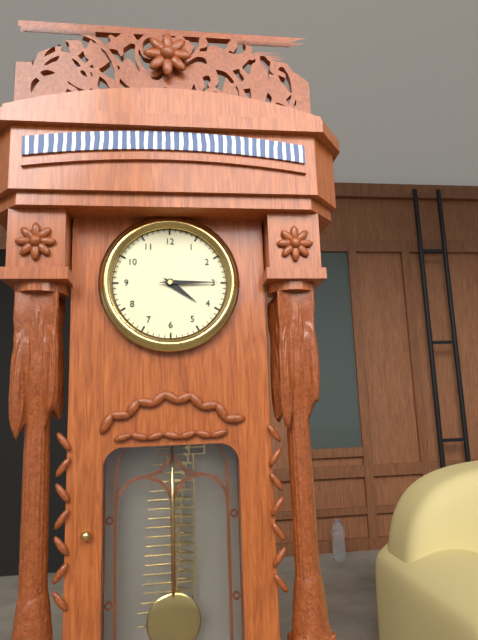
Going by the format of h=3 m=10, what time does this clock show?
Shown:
h=4 m=15
